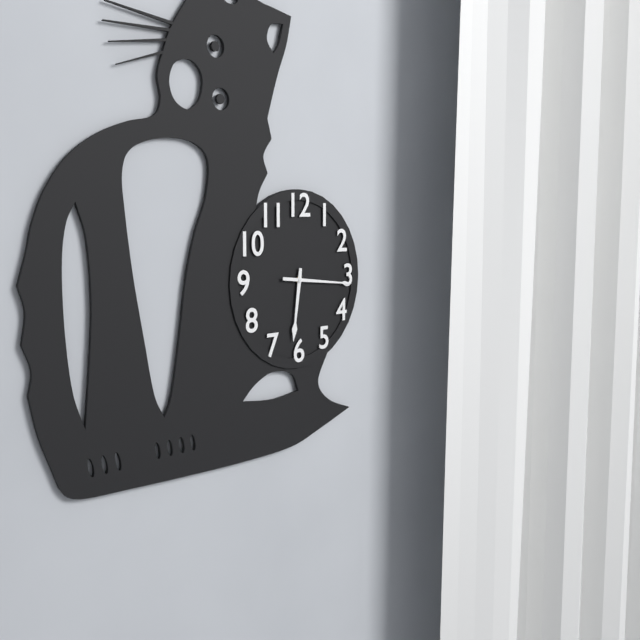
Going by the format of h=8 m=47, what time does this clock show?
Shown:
h=6 m=16
